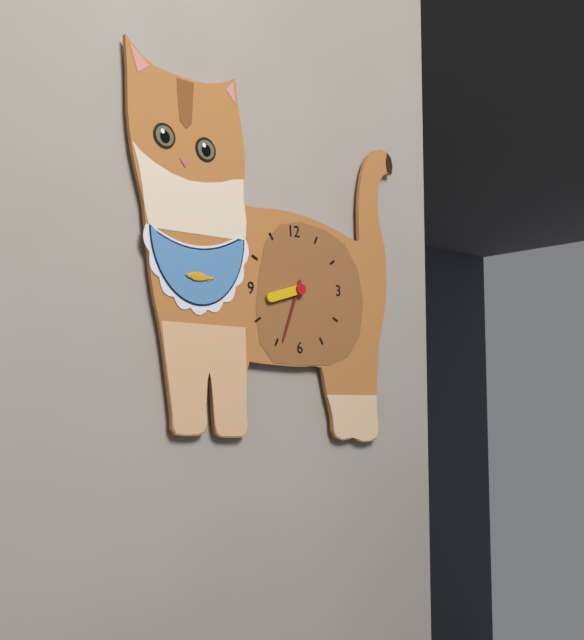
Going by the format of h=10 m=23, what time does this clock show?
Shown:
h=8 m=34
